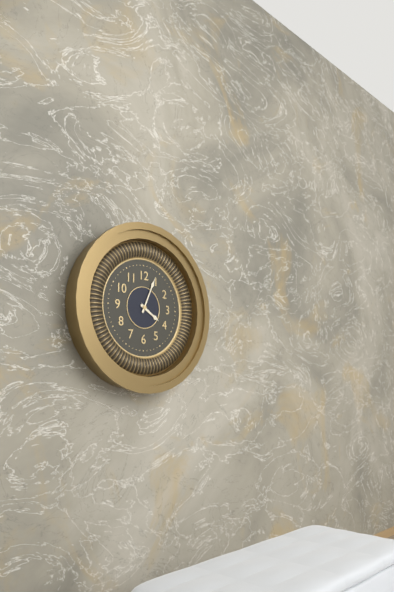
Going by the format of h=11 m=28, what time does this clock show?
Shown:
h=4 m=4
